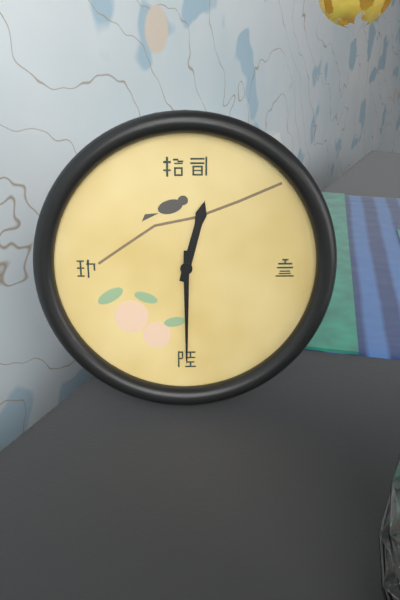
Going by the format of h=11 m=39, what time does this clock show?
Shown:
h=12 m=30
